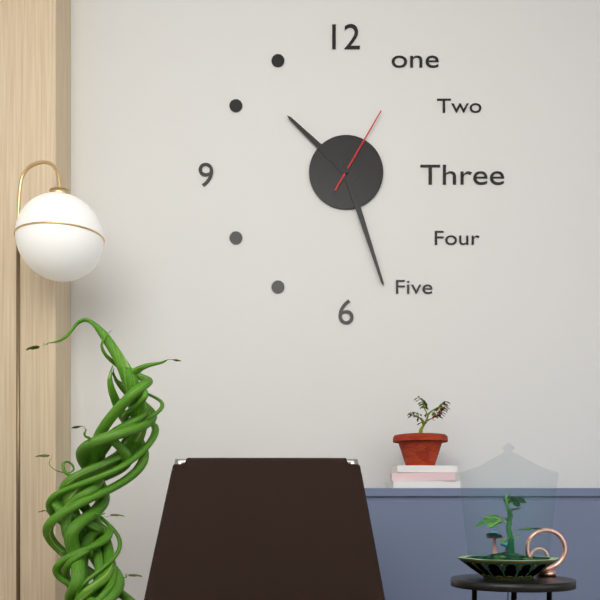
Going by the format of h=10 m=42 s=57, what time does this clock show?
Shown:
h=10 m=27 s=5
